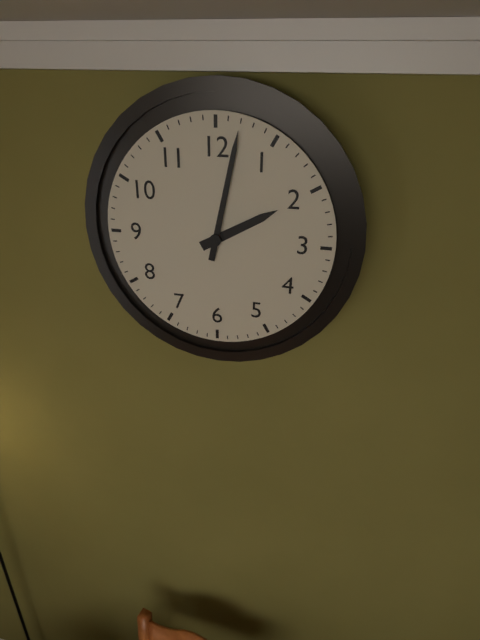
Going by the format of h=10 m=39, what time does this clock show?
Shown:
h=2 m=2
